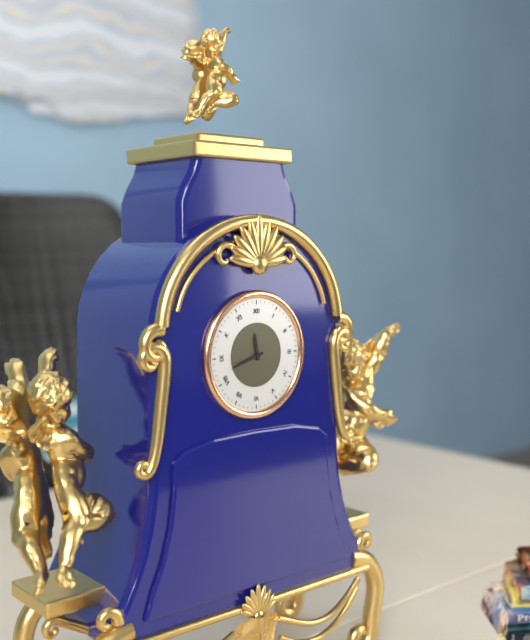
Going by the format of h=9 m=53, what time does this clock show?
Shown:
h=11 m=42
